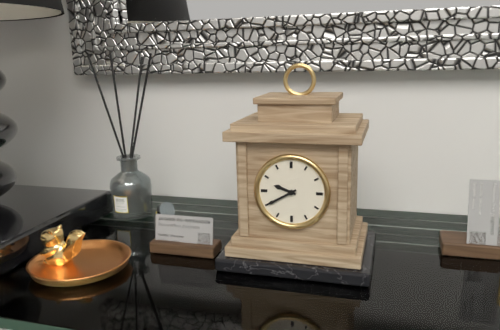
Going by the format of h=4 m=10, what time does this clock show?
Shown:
h=9 m=40
